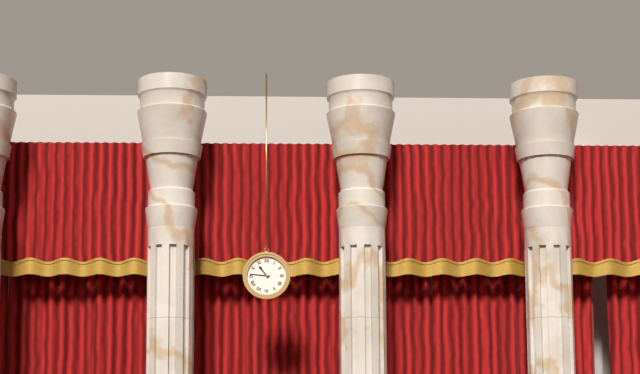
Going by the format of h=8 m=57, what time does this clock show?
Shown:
h=10 m=46
